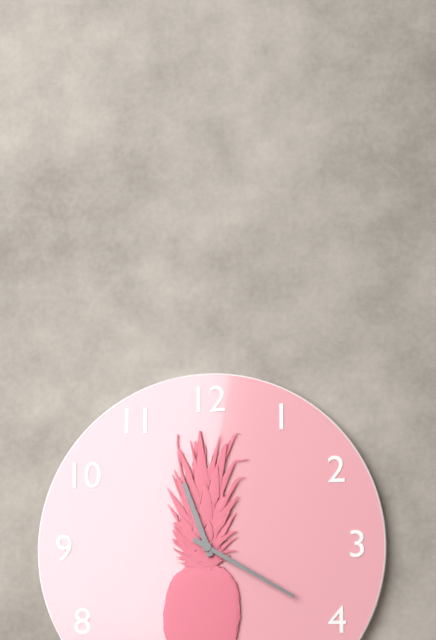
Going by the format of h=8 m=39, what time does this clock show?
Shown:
h=11 m=20
